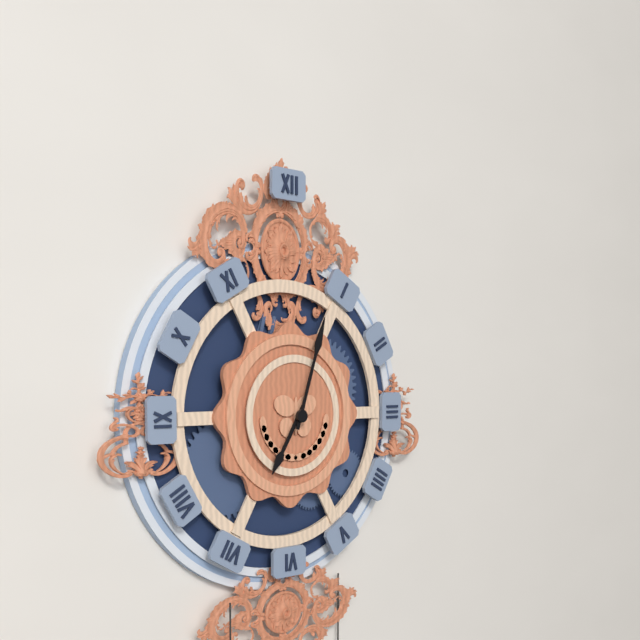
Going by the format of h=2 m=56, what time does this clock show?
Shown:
h=7 m=3
